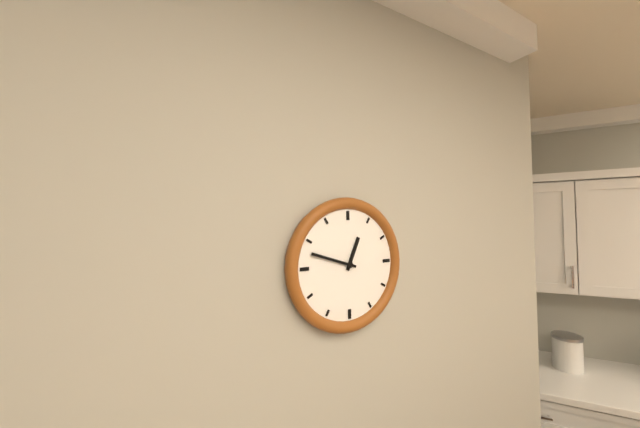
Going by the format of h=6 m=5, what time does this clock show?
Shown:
h=12 m=48
